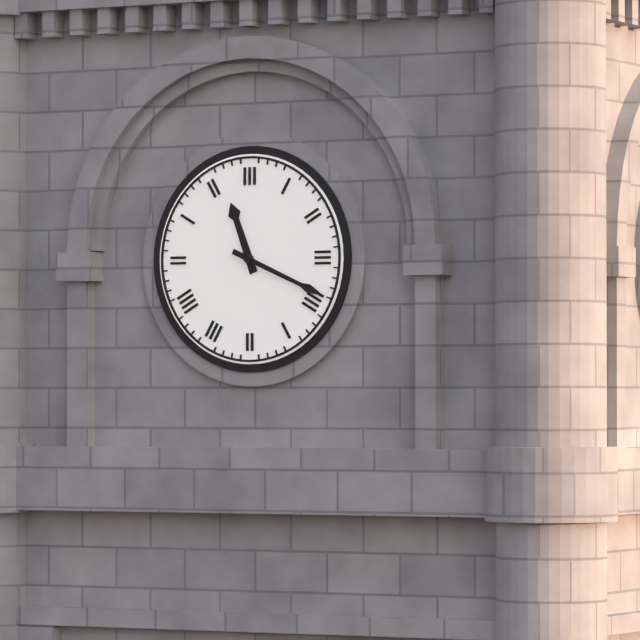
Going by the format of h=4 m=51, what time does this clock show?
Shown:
h=11 m=19
